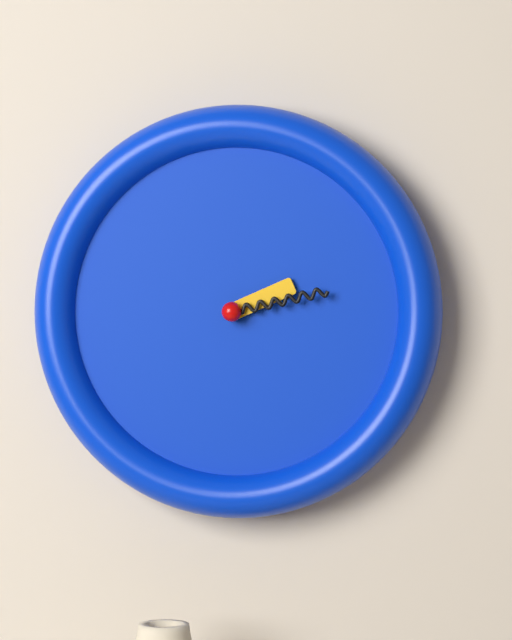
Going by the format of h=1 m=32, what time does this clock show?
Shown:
h=2 m=13
